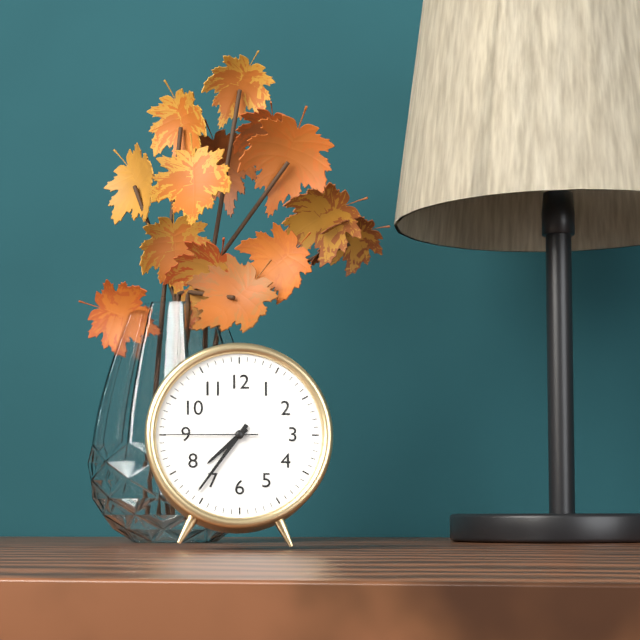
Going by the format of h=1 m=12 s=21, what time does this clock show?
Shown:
h=7 m=36 s=45
